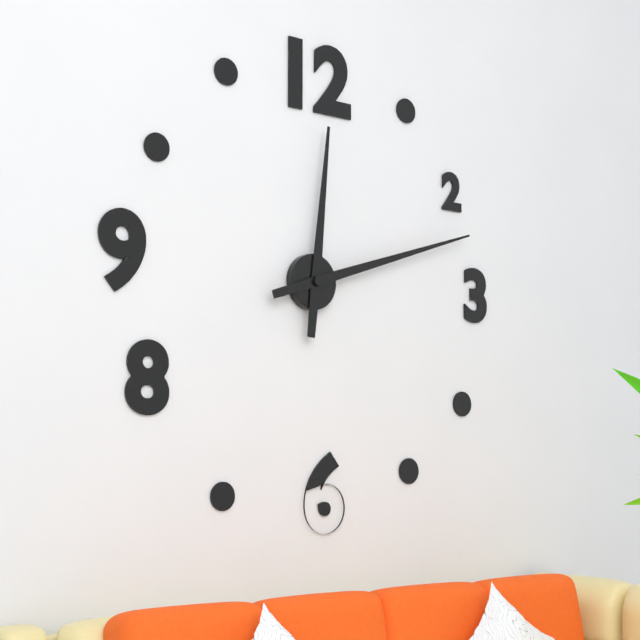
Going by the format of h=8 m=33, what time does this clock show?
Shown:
h=12 m=12
